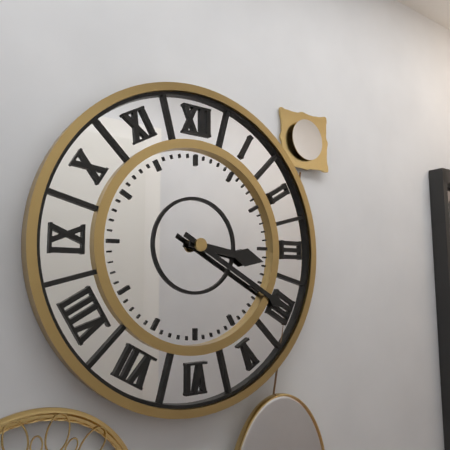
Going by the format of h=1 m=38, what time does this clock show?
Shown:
h=3 m=20
